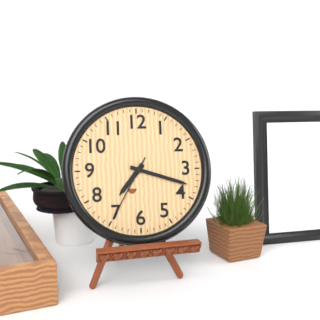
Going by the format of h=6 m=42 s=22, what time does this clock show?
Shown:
h=7 m=18 s=35
